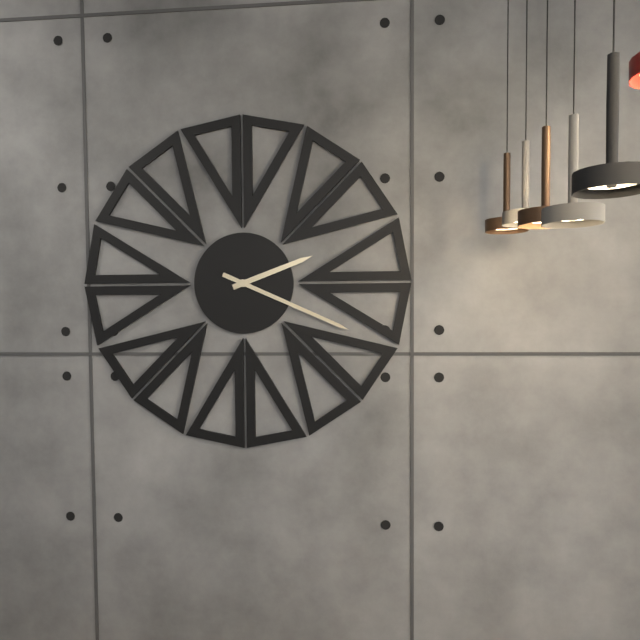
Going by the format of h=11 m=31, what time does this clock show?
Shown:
h=2 m=19
